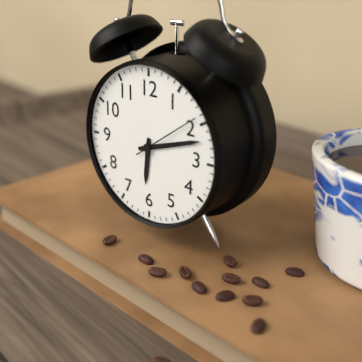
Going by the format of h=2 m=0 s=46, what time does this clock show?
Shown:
h=6 m=12 s=9
